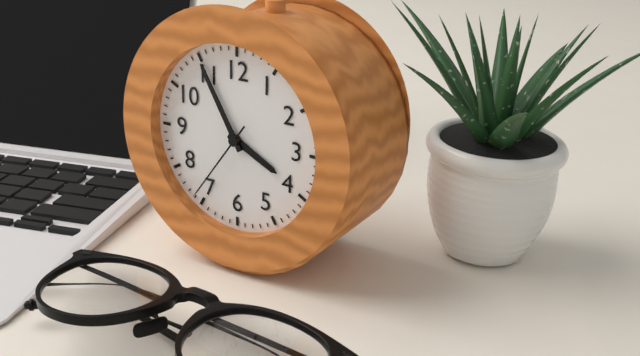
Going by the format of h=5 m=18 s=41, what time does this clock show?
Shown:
h=3 m=55 s=36
